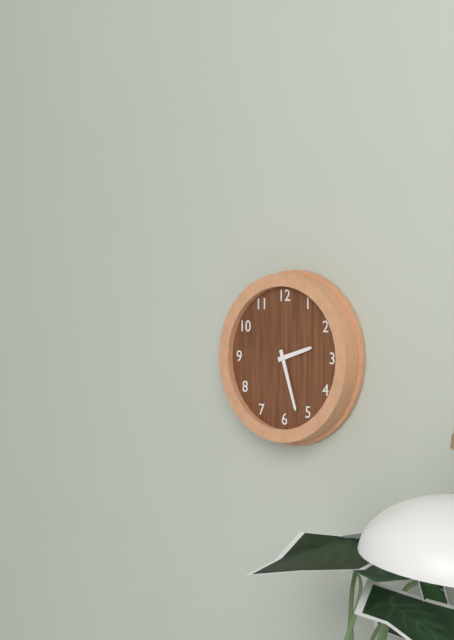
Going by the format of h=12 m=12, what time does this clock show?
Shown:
h=2 m=27
